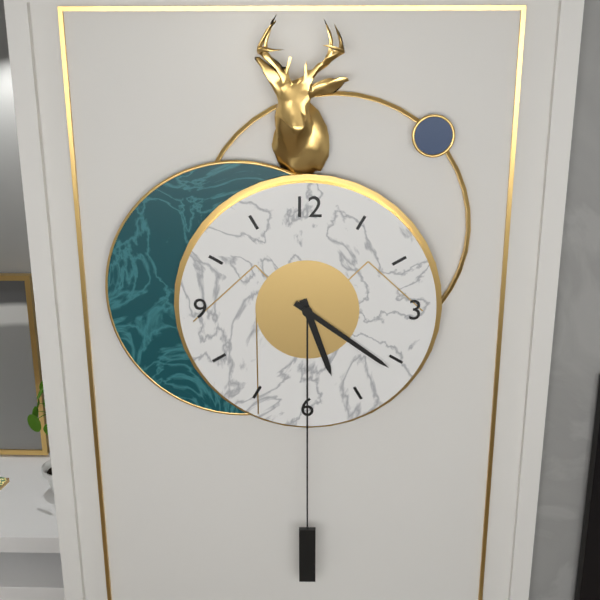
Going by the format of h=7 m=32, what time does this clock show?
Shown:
h=5 m=21
